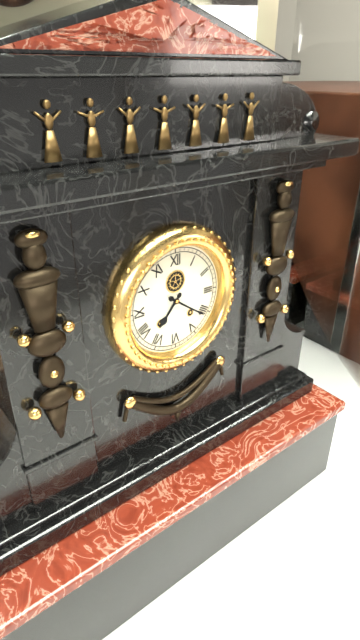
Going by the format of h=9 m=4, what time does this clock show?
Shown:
h=7 m=21
